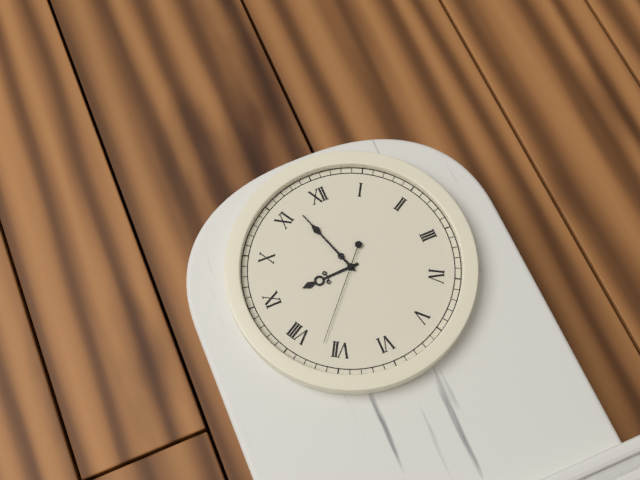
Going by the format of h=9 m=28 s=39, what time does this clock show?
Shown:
h=8 m=57 s=37
